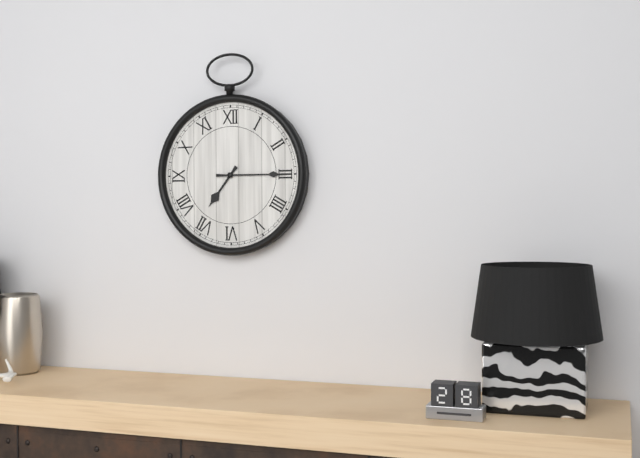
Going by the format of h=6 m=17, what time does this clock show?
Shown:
h=7 m=15
